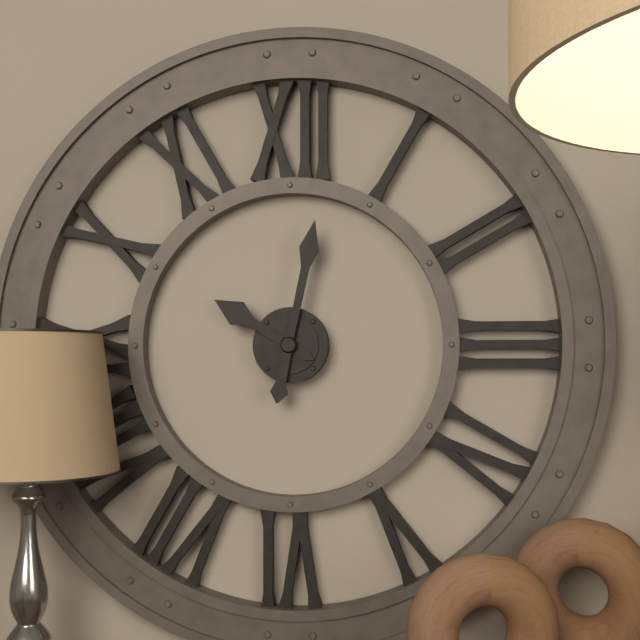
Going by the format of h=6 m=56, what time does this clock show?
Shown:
h=10 m=2
